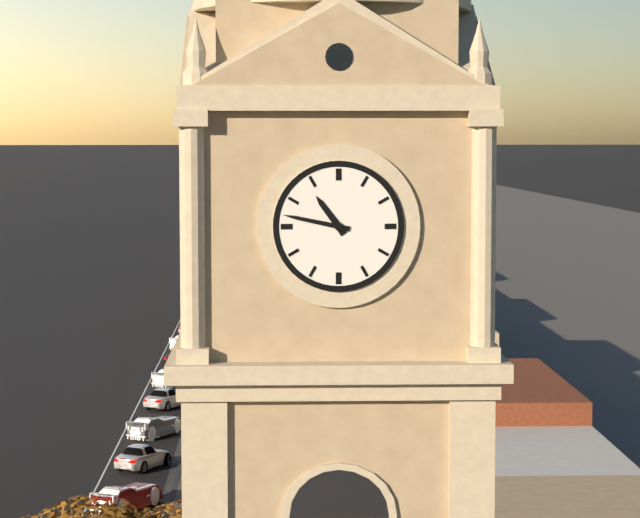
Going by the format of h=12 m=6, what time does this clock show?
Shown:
h=10 m=47
